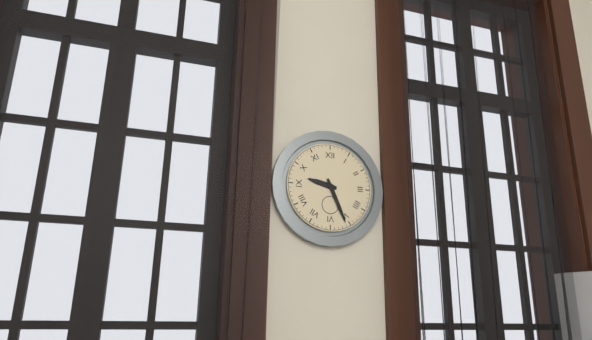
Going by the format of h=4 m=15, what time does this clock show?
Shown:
h=9 m=26
